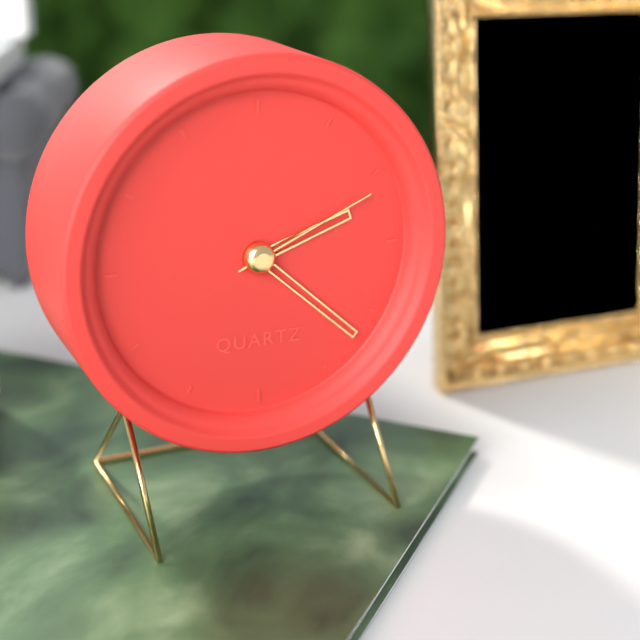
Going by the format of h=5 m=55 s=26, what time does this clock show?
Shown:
h=2 m=22 s=11
